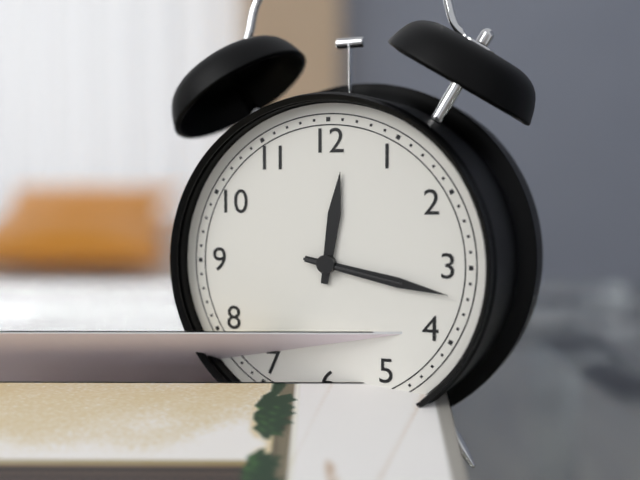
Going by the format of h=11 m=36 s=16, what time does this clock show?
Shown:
h=12 m=17 s=17
